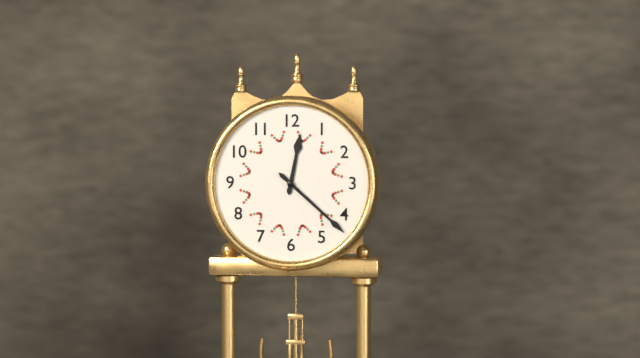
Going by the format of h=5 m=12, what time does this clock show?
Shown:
h=12 m=22
